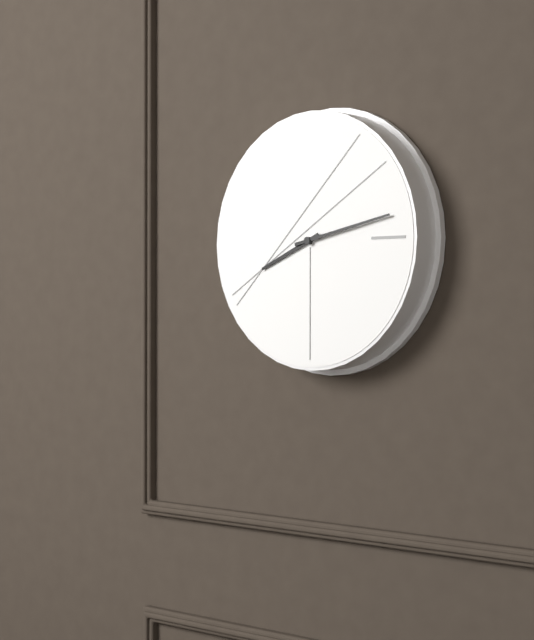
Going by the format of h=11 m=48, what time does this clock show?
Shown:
h=8 m=13
